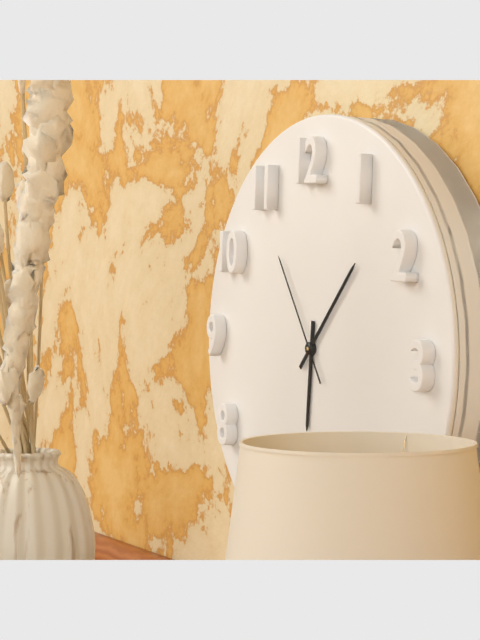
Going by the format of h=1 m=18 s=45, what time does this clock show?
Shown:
h=6 m=7 s=54
